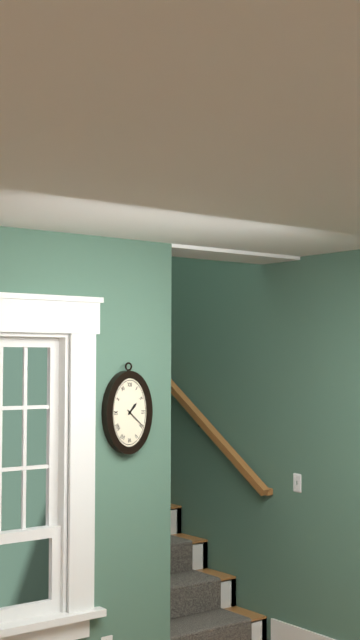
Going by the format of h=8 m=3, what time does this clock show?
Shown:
h=1 m=22
